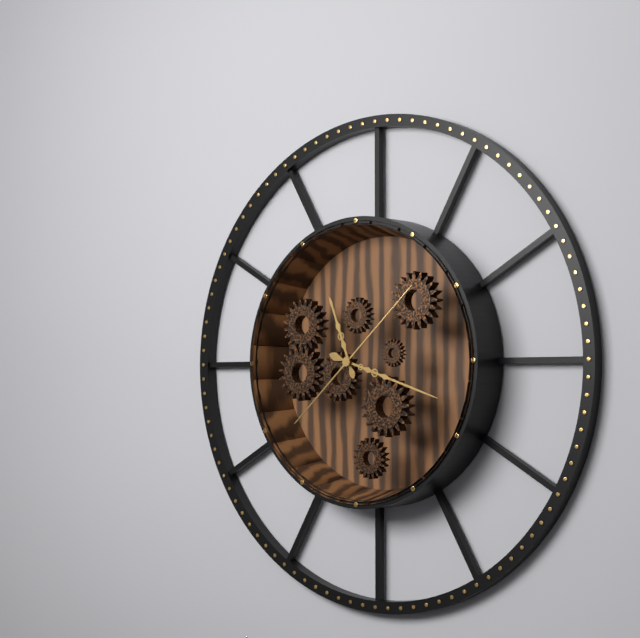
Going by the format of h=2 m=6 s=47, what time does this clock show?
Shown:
h=11 m=18 s=8
